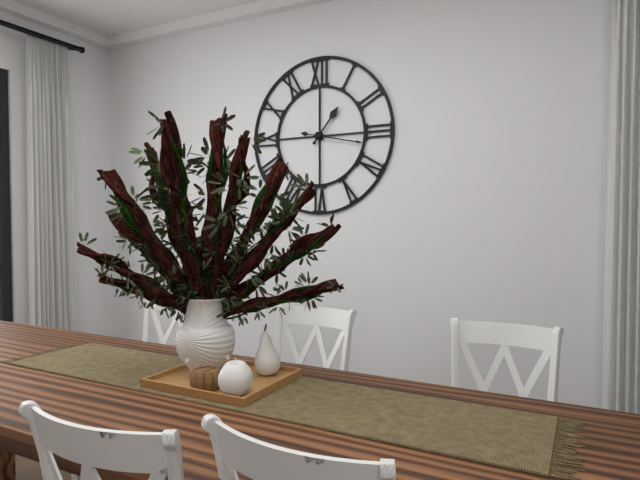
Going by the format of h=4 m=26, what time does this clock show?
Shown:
h=1 m=17
